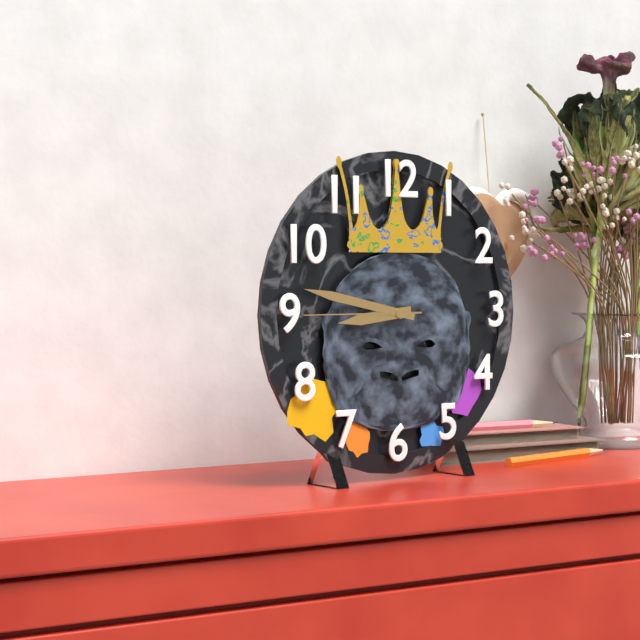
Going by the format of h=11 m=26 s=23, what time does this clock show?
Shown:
h=8 m=47 s=45
